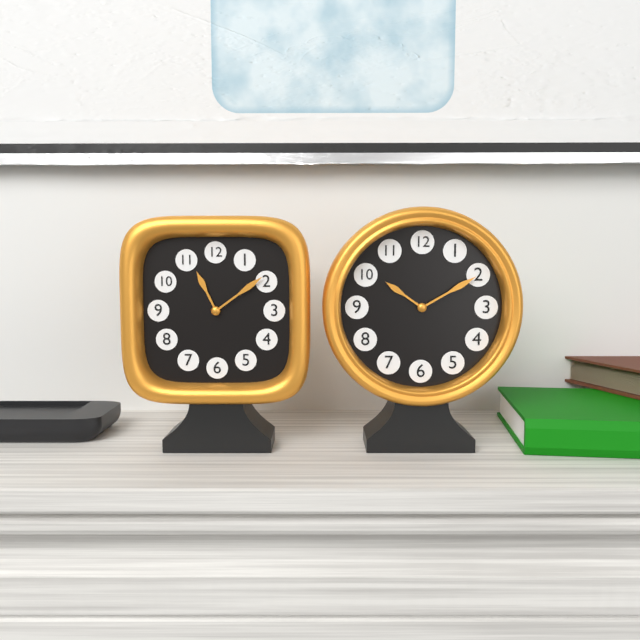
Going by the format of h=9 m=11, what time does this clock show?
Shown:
h=11 m=9
